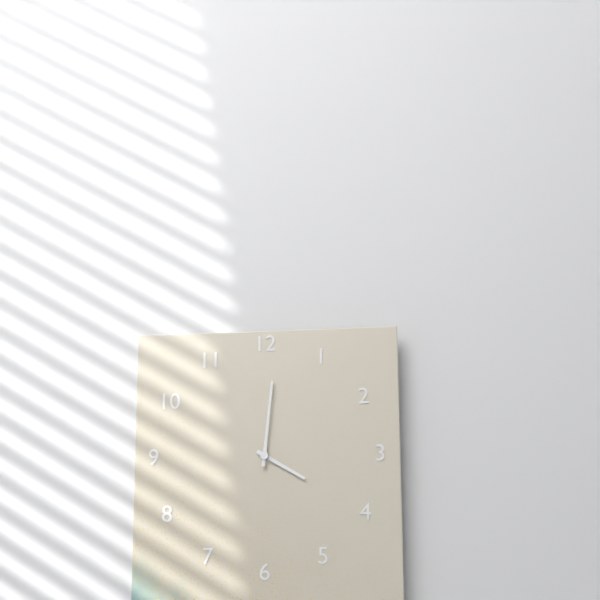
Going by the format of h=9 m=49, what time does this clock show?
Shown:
h=4 m=1
